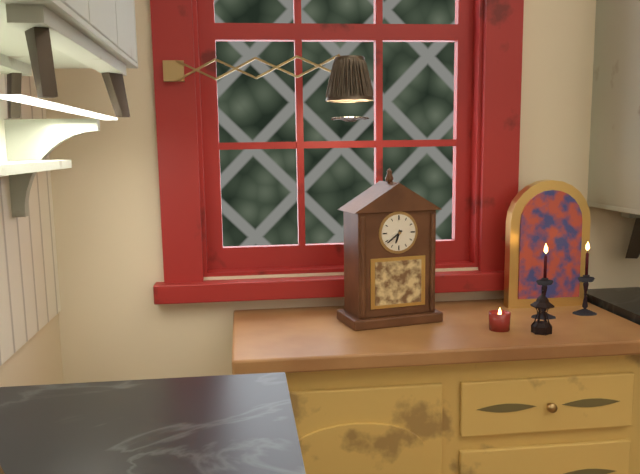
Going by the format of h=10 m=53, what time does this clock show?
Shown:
h=6 m=39
